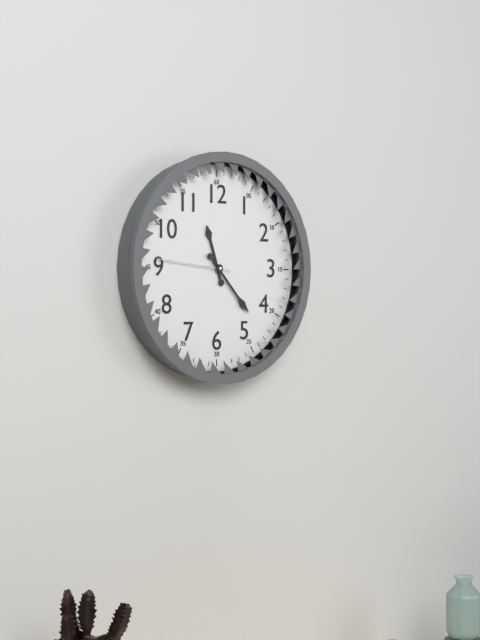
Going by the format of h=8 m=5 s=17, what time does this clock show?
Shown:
h=11 m=23 s=46
